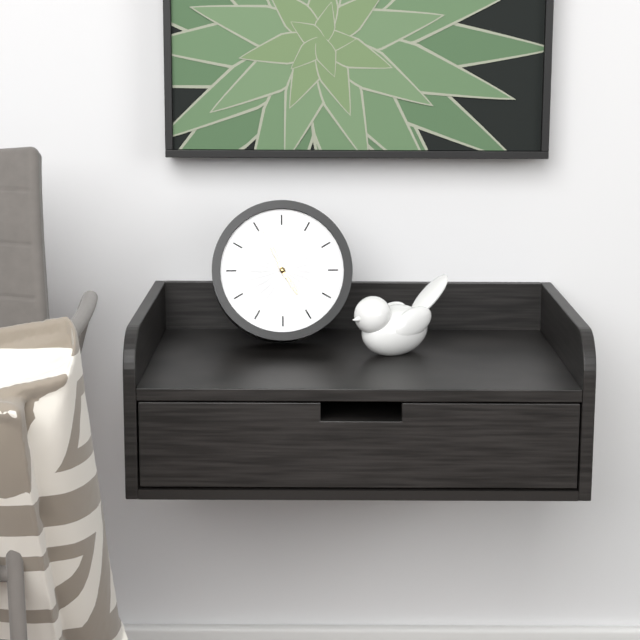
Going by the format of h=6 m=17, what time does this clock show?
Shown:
h=4 m=56
